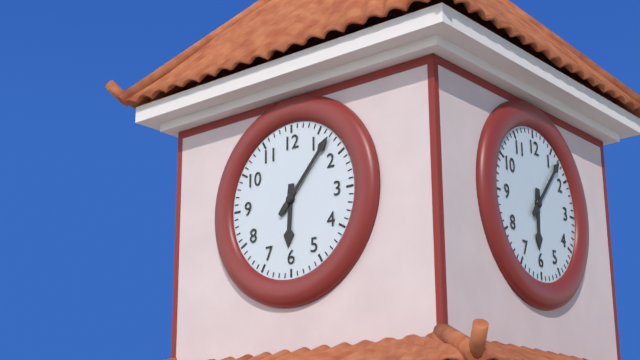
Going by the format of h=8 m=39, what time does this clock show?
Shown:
h=6 m=7
